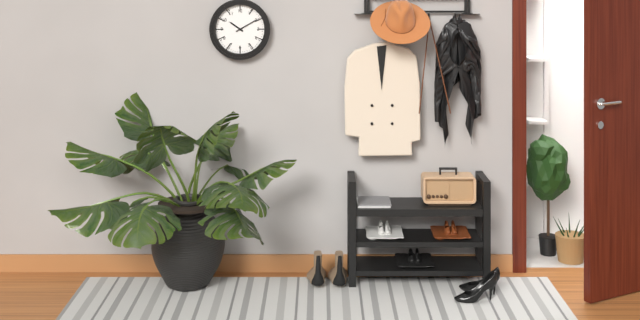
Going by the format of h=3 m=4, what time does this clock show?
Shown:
h=10 m=10
